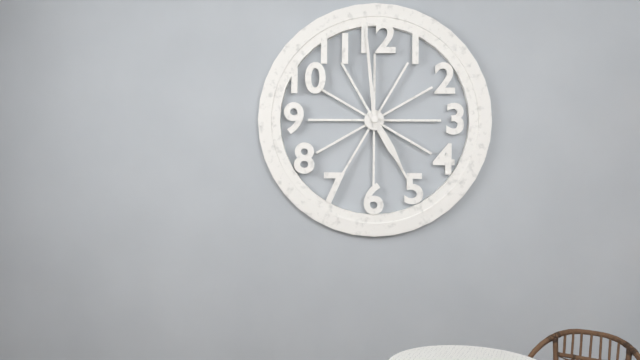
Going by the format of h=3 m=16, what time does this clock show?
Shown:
h=4 m=59
